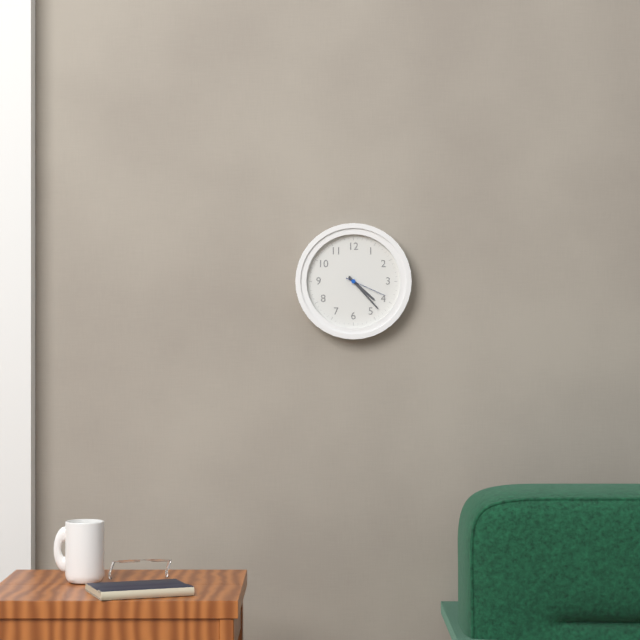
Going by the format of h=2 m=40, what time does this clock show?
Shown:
h=4 m=23
